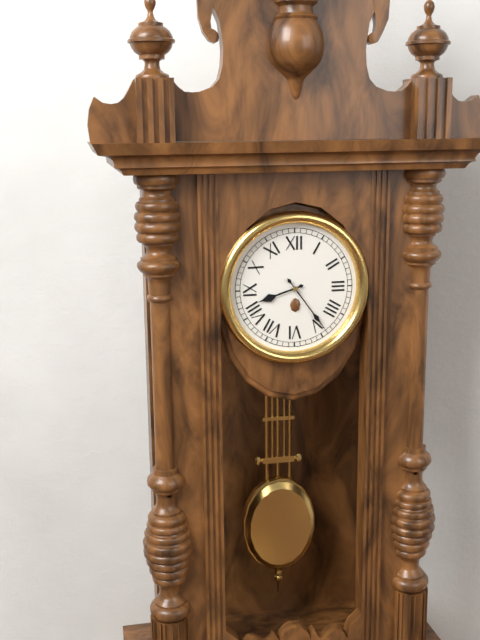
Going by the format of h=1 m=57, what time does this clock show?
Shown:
h=8 m=24
